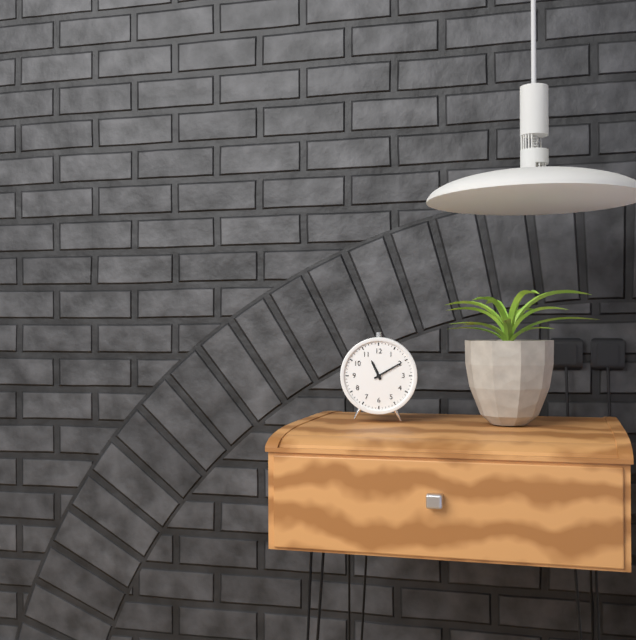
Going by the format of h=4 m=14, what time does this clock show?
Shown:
h=11 m=10
